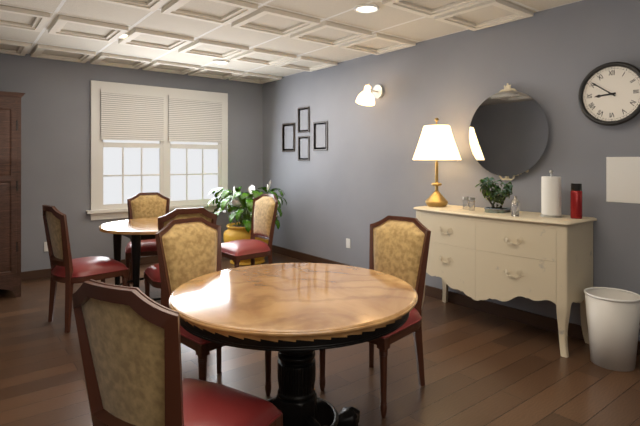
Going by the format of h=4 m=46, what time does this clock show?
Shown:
h=8 m=51
